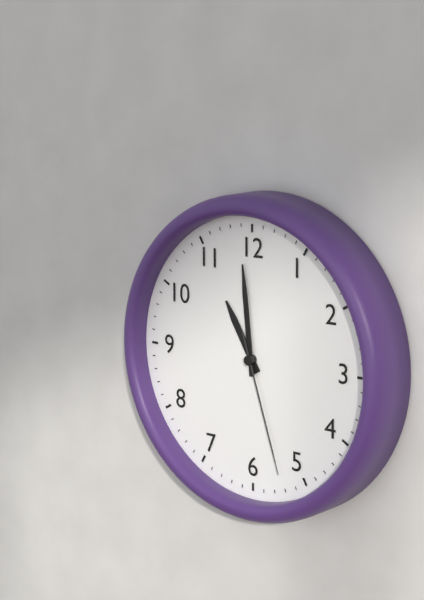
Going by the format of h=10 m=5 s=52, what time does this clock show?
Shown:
h=10 m=59 s=27
